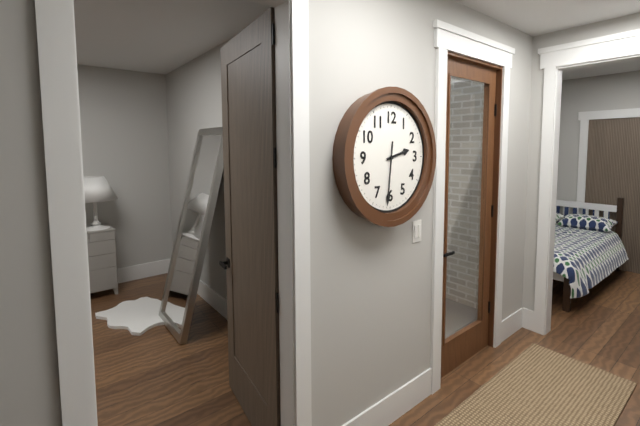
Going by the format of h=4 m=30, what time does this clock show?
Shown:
h=2 m=31
